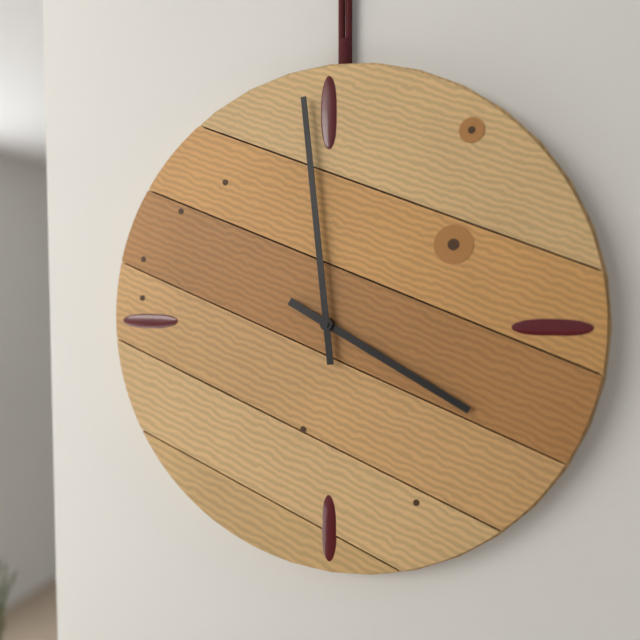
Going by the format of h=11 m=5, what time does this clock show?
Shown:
h=3 m=59
